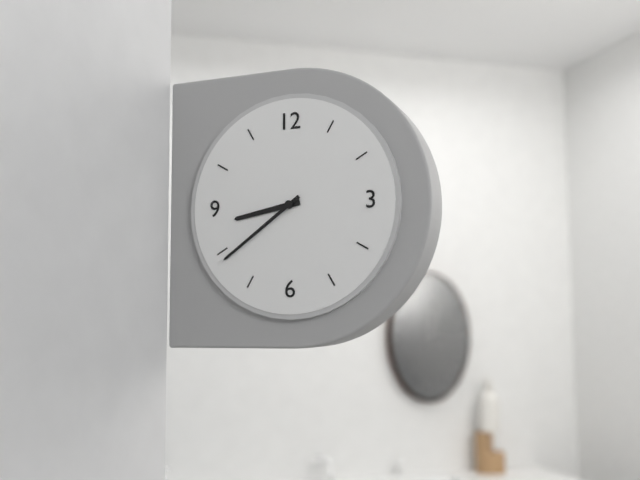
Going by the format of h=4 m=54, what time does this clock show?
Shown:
h=8 m=39
